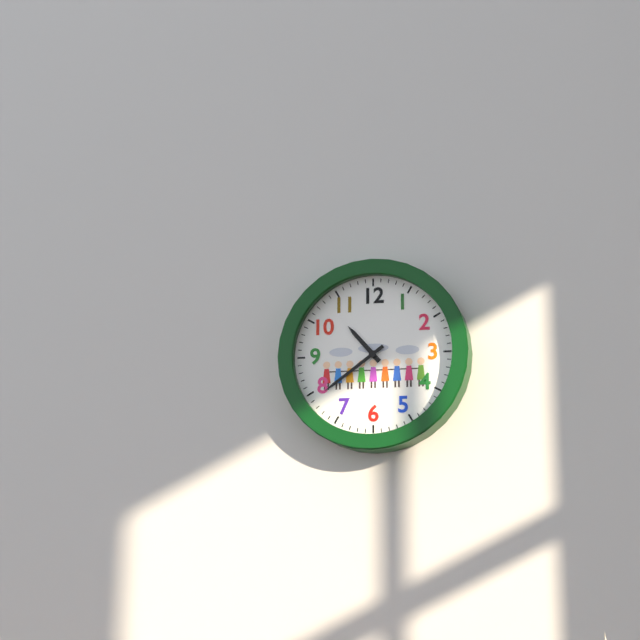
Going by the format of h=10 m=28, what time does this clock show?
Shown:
h=10 m=39
